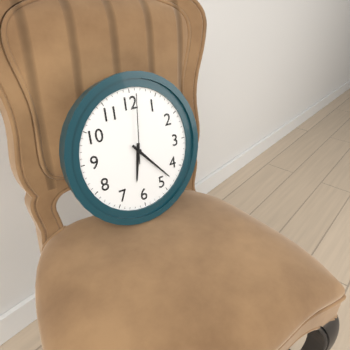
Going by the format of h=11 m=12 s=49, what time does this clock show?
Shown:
h=6 m=23 s=1
